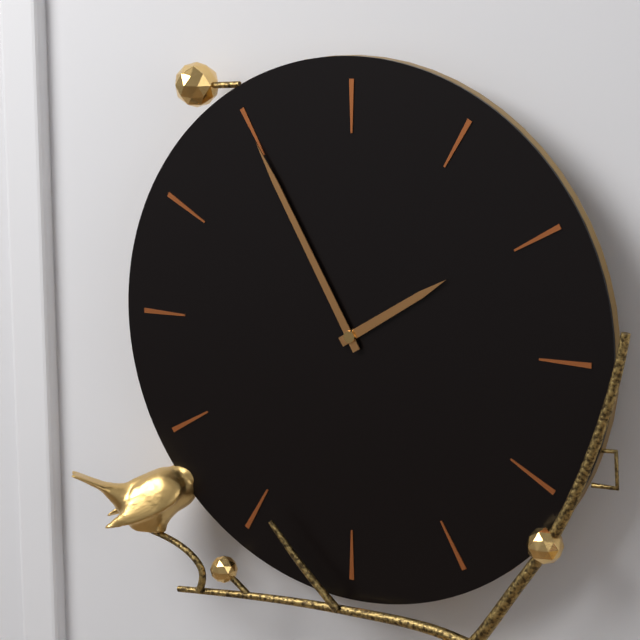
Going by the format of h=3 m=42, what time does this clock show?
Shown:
h=1 m=55
